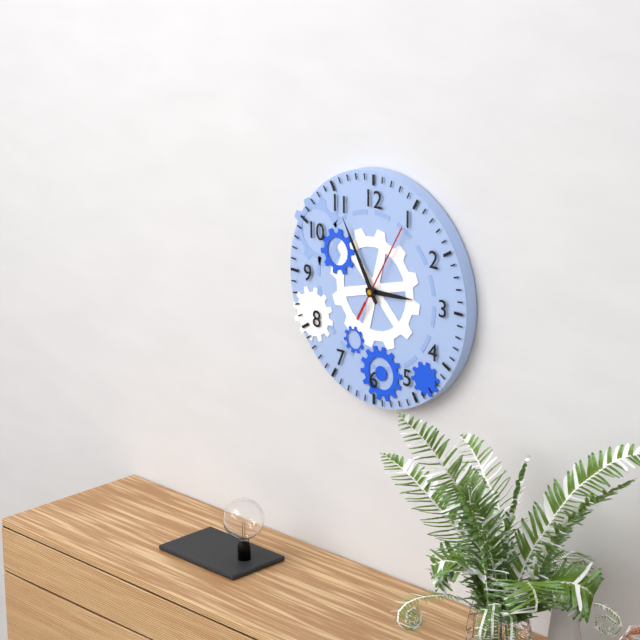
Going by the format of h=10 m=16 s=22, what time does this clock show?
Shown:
h=2 m=55 s=5
